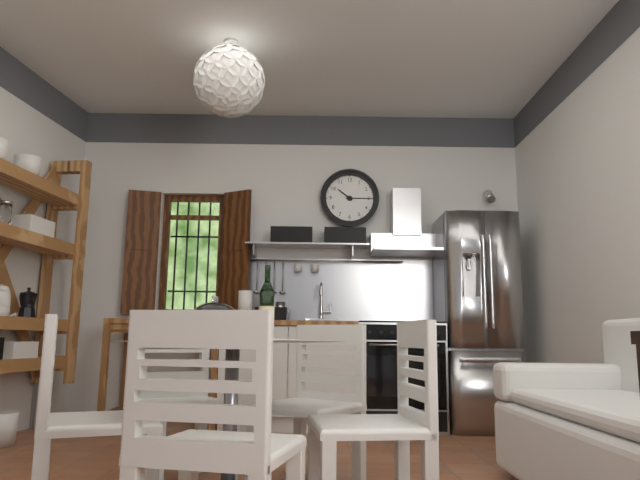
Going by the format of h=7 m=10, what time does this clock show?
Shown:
h=10 m=15
